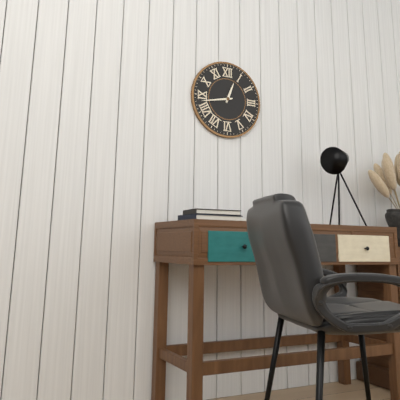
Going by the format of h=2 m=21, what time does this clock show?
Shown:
h=12 m=43
